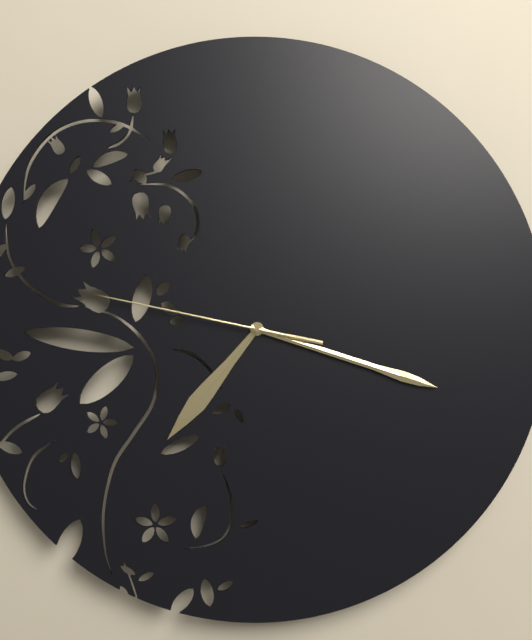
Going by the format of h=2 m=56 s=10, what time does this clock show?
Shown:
h=7 m=18 s=47
